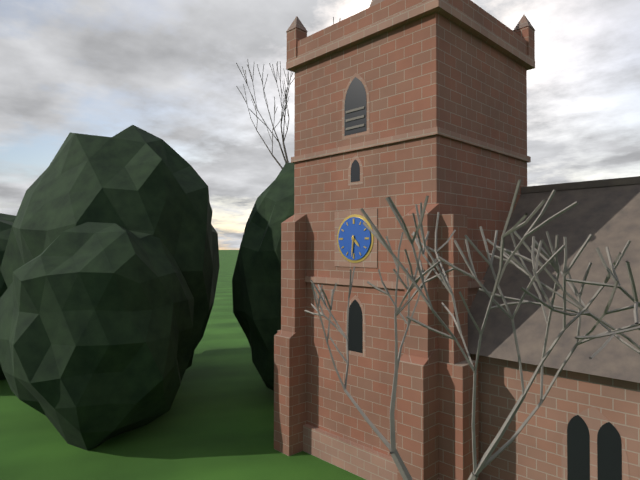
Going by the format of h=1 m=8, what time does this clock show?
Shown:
h=4 m=31
